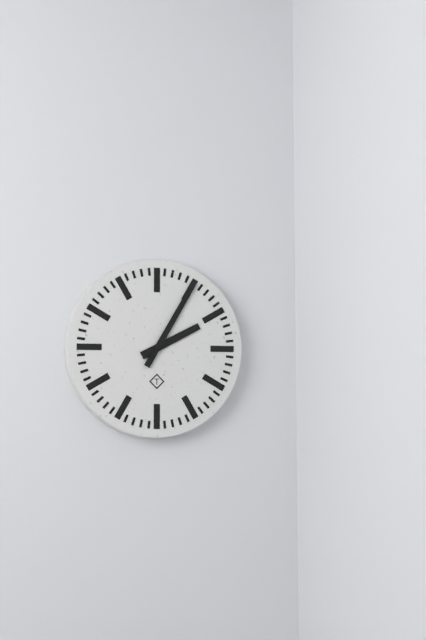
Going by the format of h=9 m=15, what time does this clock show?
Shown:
h=2 m=5
